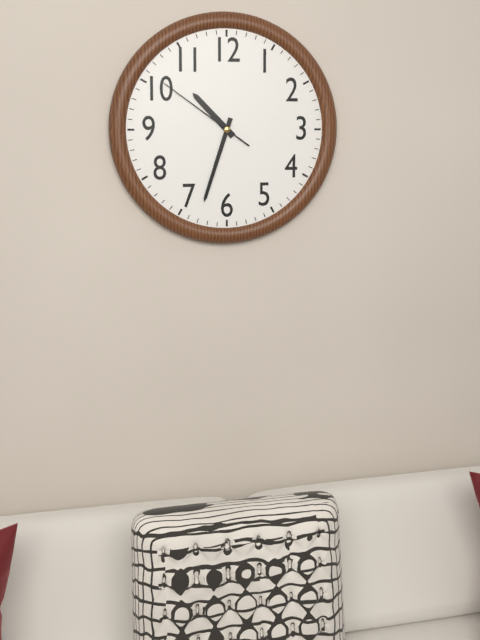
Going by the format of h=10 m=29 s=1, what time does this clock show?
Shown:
h=10 m=33 s=51
